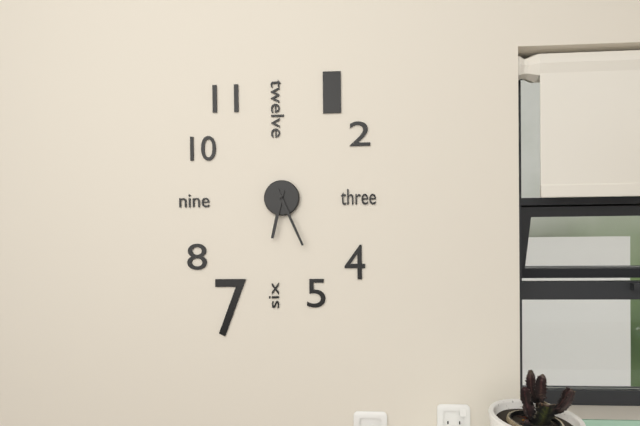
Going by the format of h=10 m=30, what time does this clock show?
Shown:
h=6 m=26
